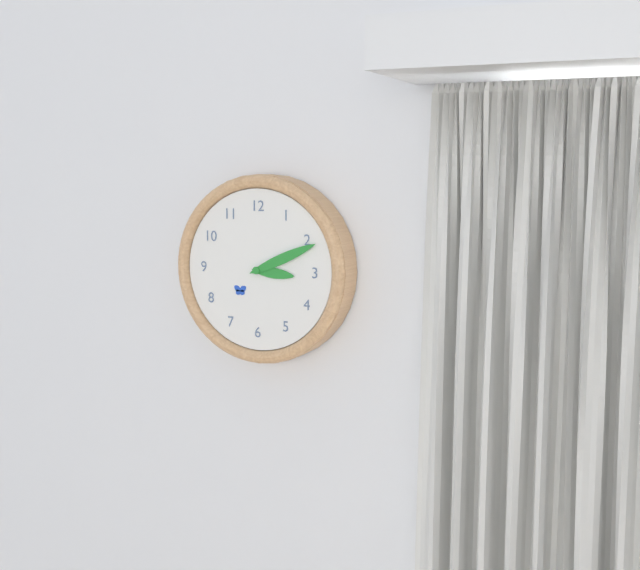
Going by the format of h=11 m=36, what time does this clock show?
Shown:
h=3 m=11
